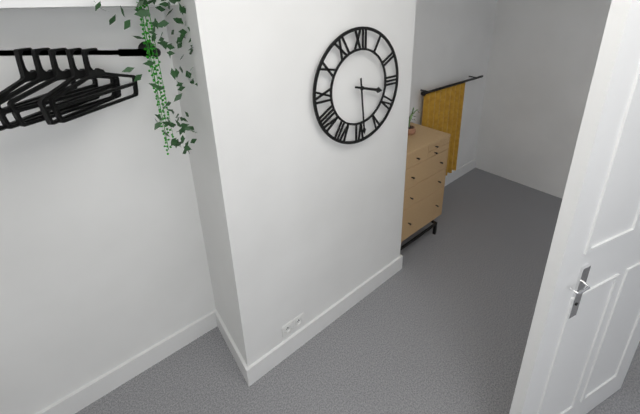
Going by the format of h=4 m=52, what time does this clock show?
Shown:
h=3 m=29
